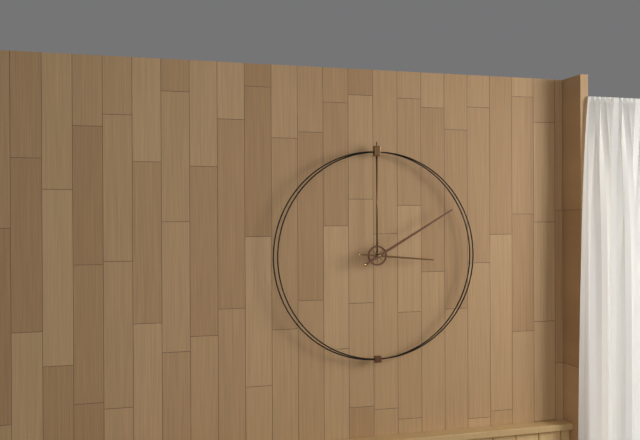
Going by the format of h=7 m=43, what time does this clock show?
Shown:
h=3 m=10
